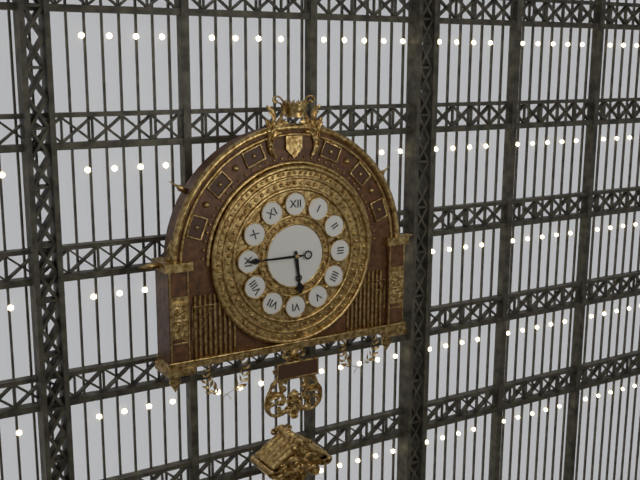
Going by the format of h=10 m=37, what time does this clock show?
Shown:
h=5 m=45
